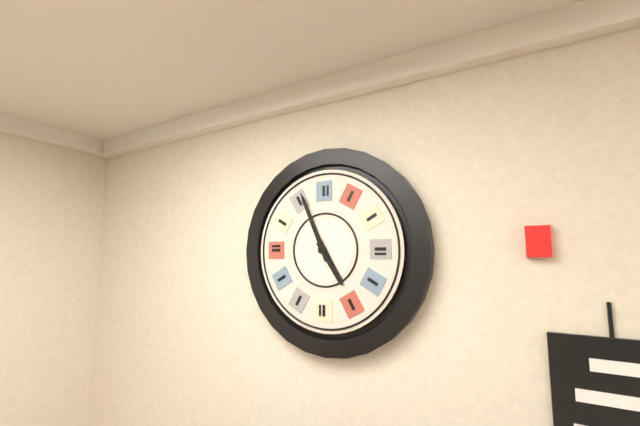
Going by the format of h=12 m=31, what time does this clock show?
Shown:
h=4 m=56
